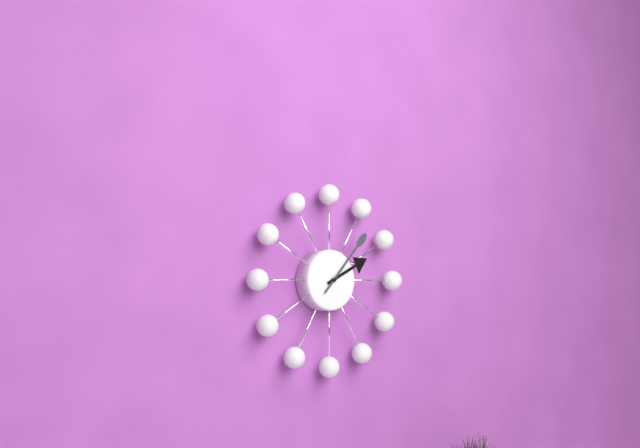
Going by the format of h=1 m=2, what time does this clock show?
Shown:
h=2 m=7
